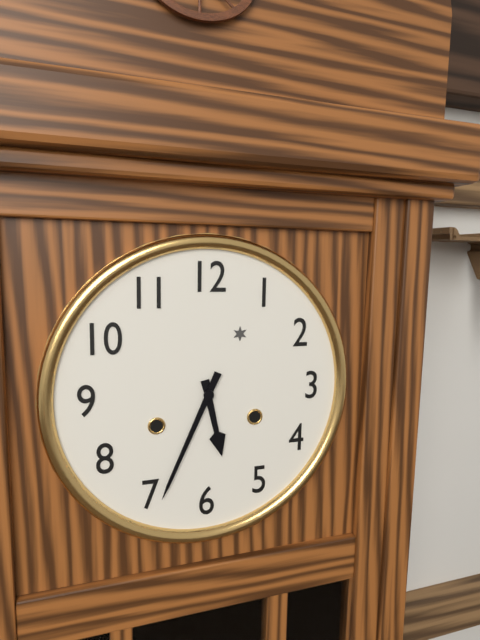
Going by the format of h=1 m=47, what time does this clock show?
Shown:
h=5 m=34
